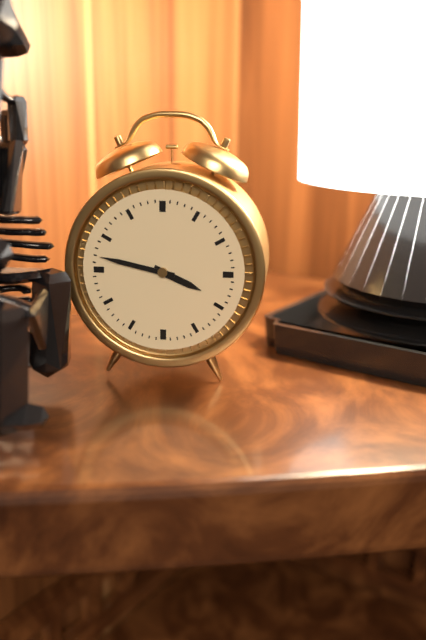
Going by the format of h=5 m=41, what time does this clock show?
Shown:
h=3 m=47
